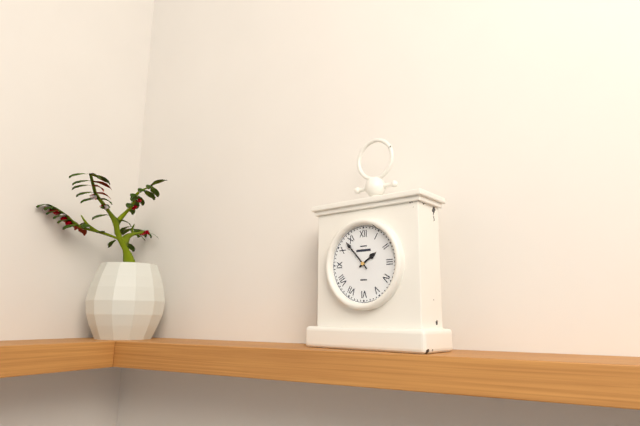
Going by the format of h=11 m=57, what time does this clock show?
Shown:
h=1 m=53
